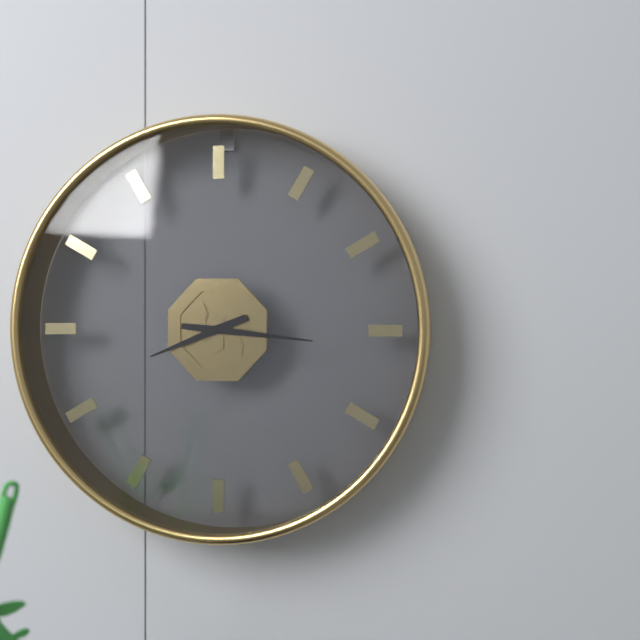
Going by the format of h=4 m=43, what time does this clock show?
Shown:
h=8 m=16
